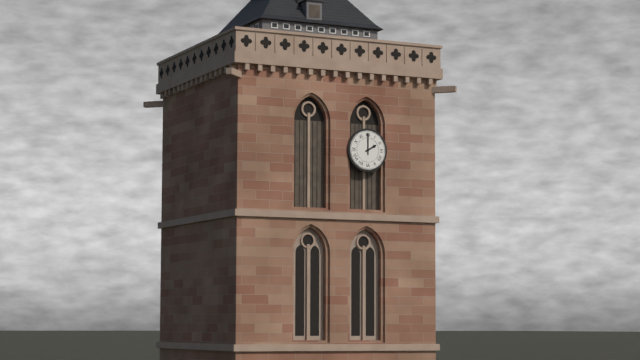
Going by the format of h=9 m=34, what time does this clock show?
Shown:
h=2 m=0
